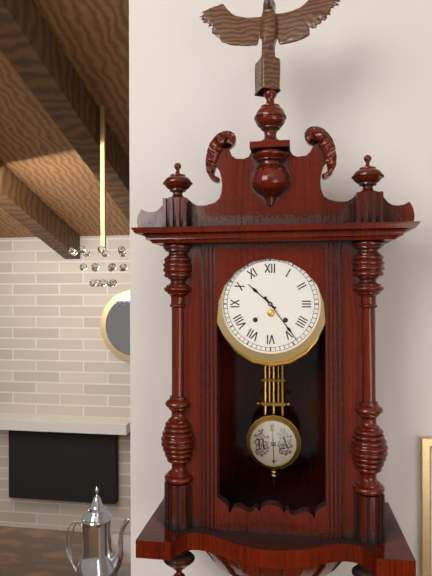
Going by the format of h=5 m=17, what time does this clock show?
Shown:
h=10 m=24
